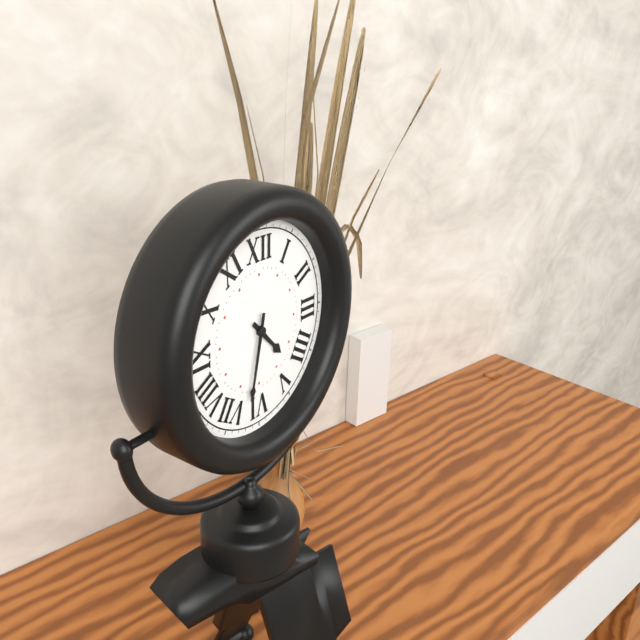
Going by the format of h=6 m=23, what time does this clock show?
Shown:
h=4 m=32
